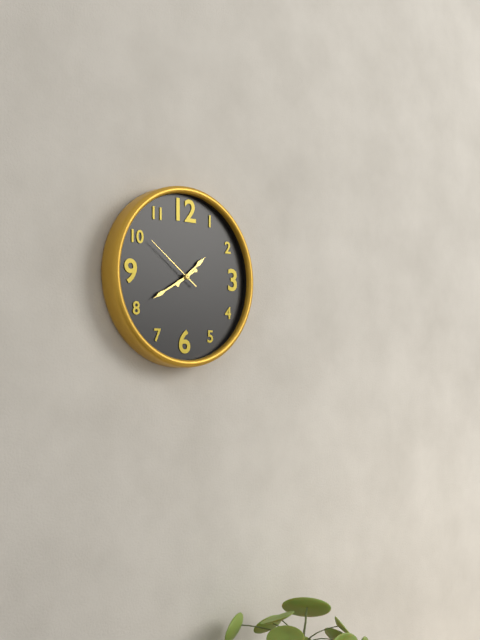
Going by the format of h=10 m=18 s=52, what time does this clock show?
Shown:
h=1 m=40 s=51
